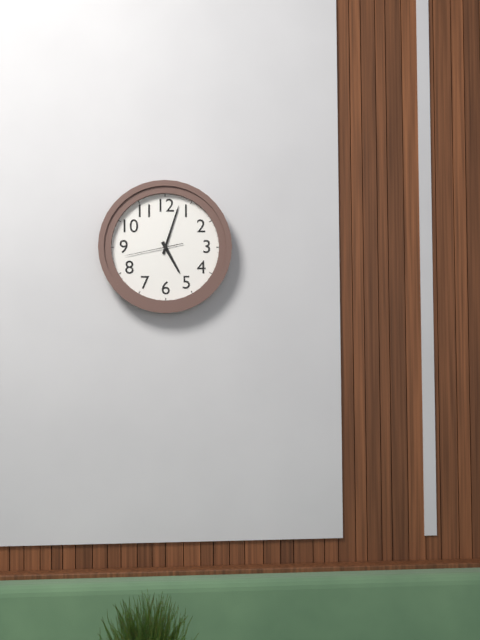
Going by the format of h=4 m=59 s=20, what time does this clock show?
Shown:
h=5 m=3 s=43
